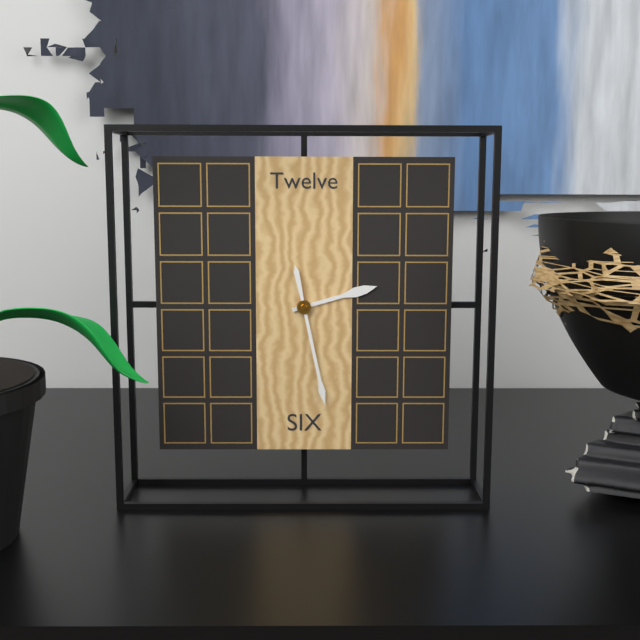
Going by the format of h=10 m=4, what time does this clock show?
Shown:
h=2 m=28
